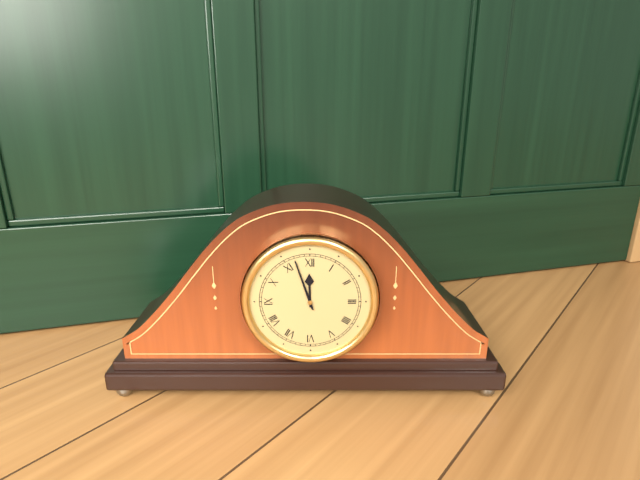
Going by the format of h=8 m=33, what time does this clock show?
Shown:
h=11 m=57
